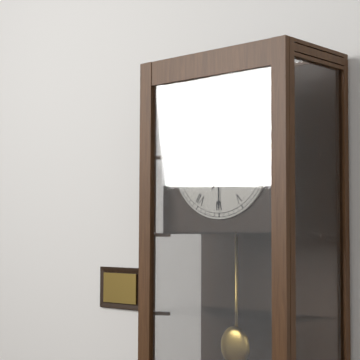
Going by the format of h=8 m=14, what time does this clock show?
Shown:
h=6 m=30
